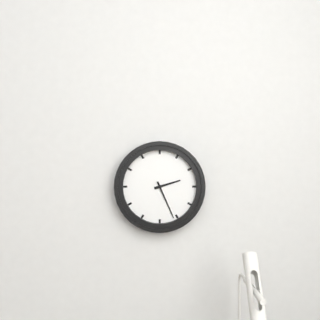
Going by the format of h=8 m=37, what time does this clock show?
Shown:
h=2 m=26
